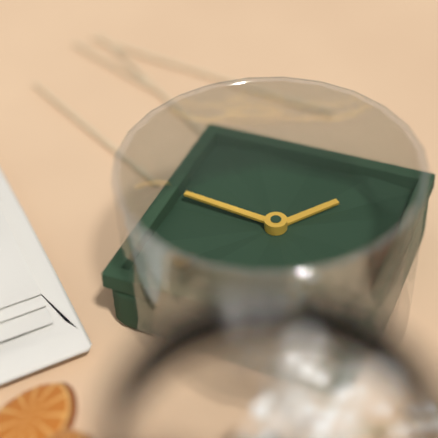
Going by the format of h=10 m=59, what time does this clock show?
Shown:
h=7 m=16
